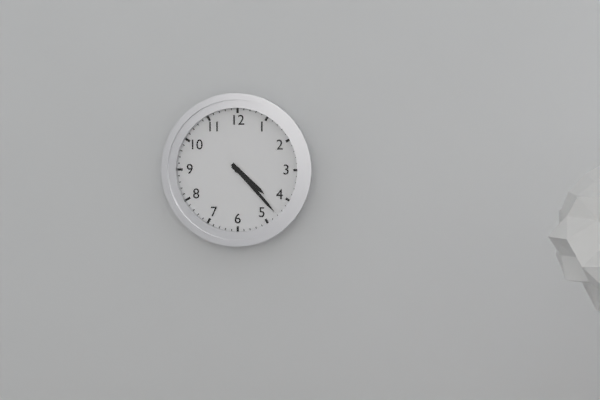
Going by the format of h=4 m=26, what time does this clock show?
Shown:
h=4 m=23
